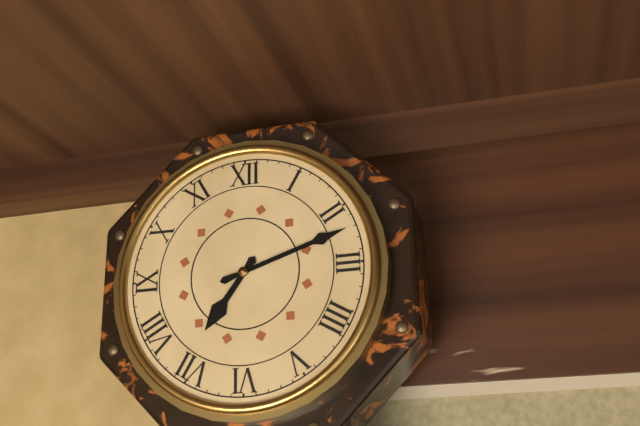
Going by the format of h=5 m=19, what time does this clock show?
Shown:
h=7 m=12
